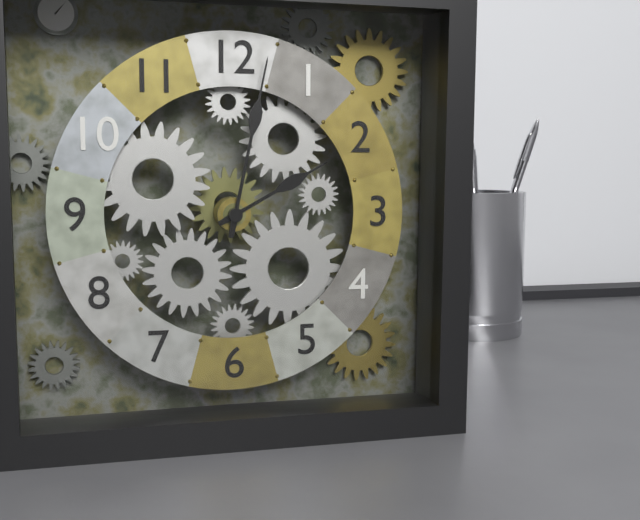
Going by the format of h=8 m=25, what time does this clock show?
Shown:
h=2 m=2
